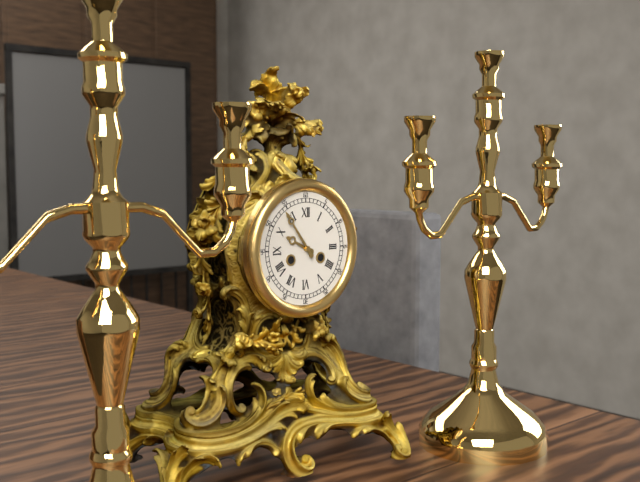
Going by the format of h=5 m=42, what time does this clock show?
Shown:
h=9 m=54
